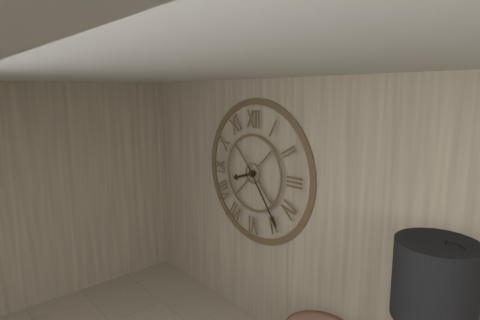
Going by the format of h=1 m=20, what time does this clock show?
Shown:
h=8 m=24
